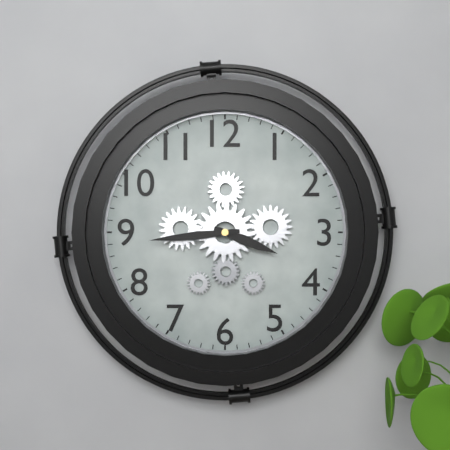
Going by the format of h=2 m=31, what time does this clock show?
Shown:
h=3 m=44
